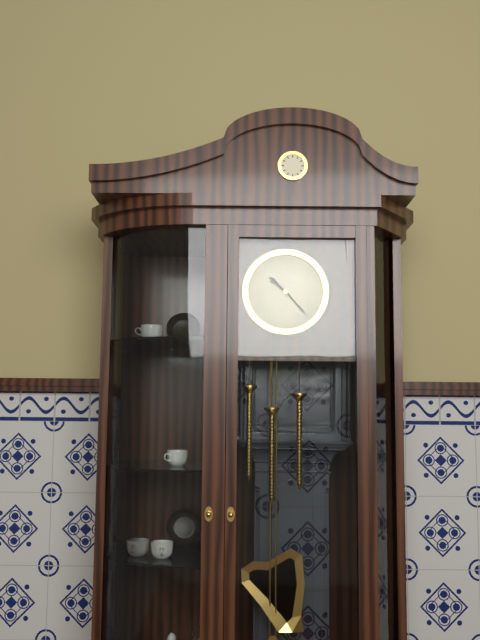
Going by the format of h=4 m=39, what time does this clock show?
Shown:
h=10 m=23
